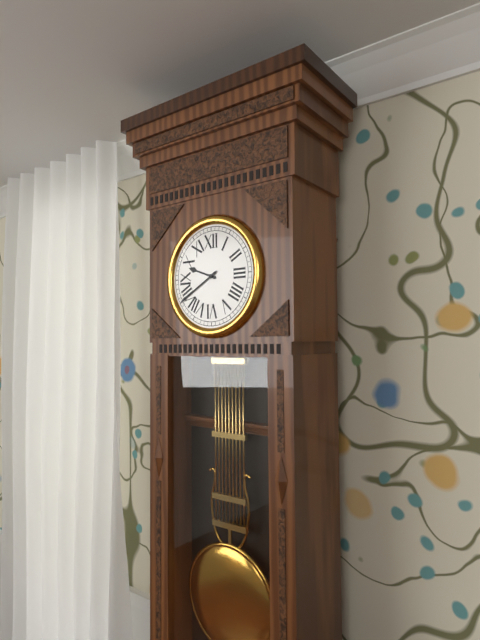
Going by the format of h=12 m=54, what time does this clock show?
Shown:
h=9 m=40
